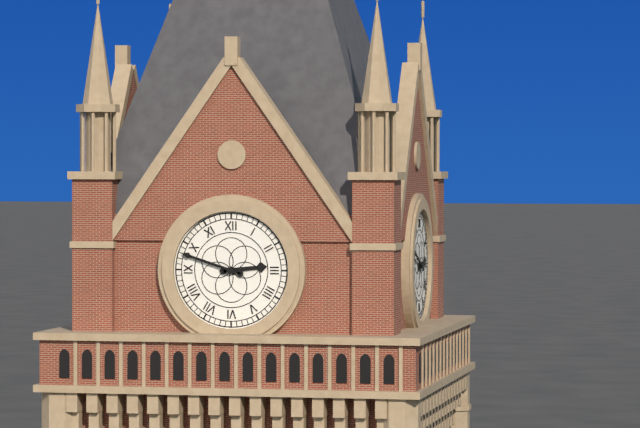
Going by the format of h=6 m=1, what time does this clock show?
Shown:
h=2 m=48
